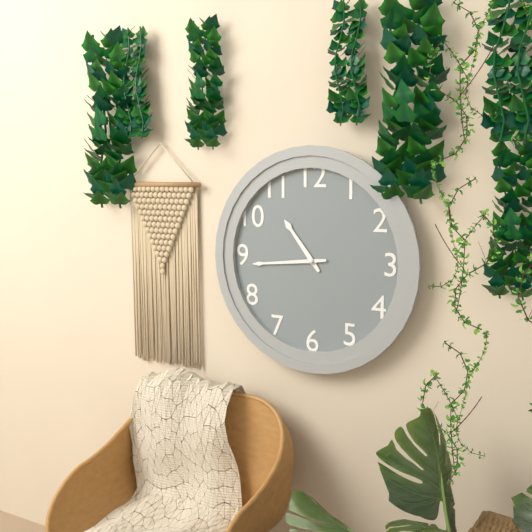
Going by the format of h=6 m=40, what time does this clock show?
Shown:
h=10 m=44
